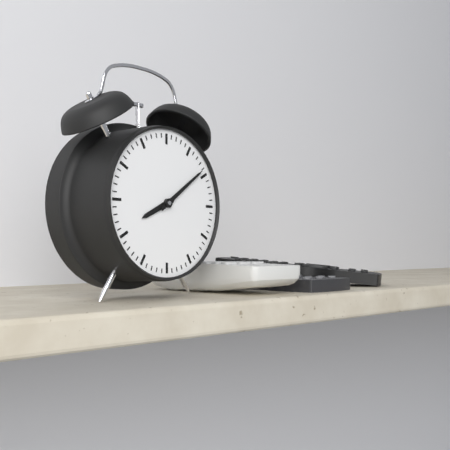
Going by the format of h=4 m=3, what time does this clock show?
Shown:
h=8 m=9
